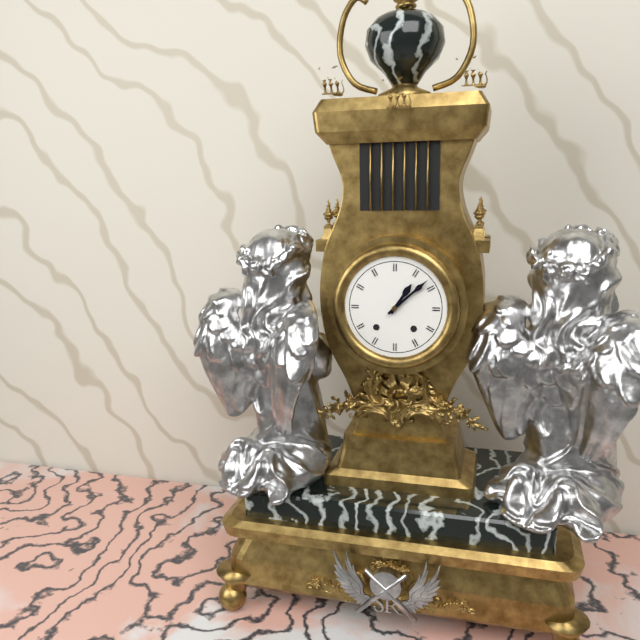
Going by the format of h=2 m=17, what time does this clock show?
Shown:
h=1 m=8
